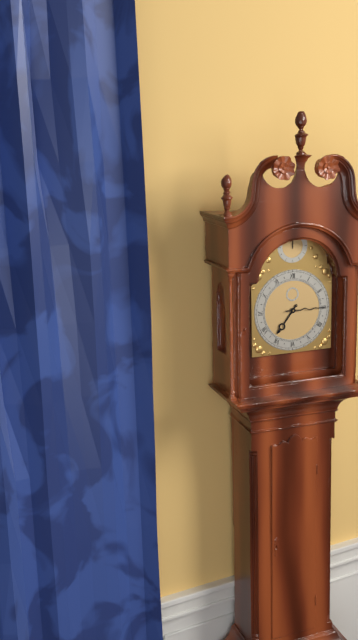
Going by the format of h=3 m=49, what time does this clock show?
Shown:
h=7 m=15
